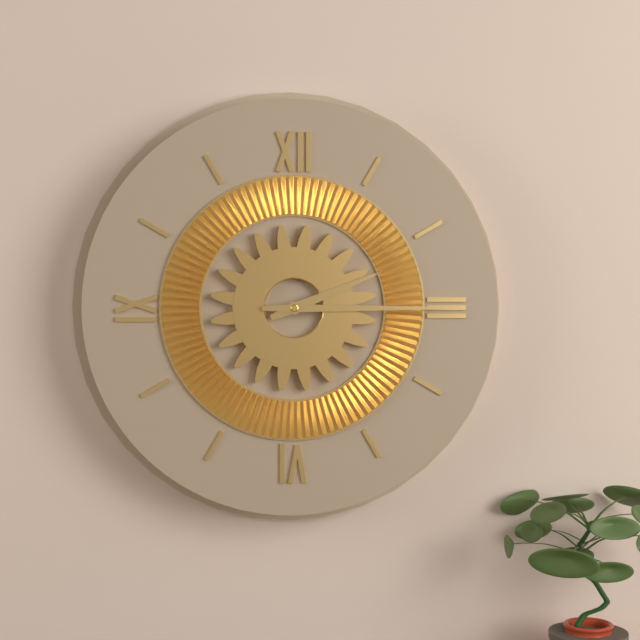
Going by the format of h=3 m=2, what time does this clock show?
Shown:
h=2 m=15
